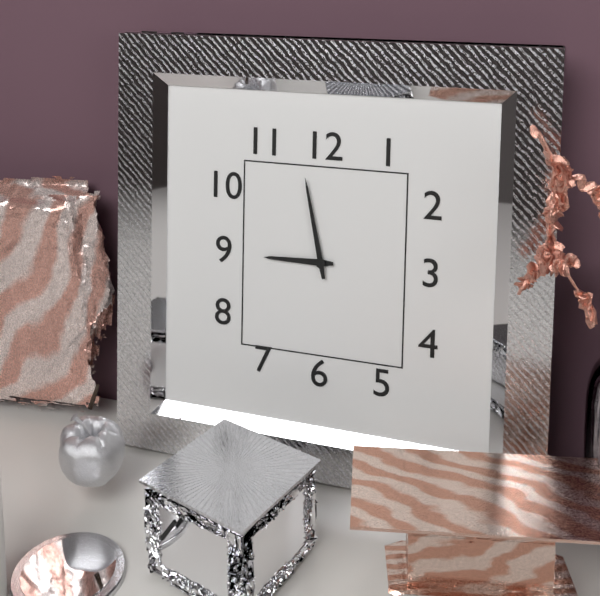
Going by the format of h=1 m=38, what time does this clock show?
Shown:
h=8 m=58
